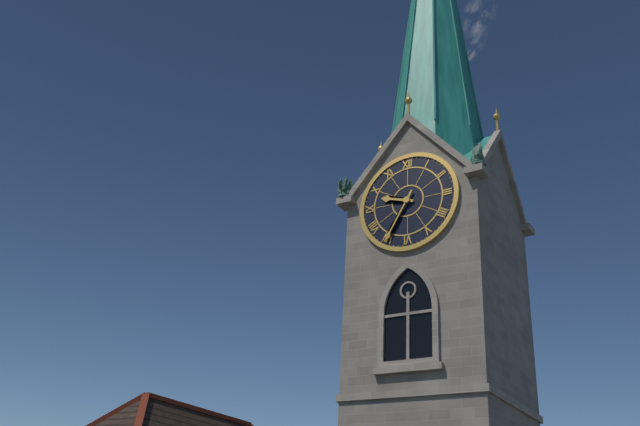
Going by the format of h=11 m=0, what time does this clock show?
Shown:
h=9 m=35
